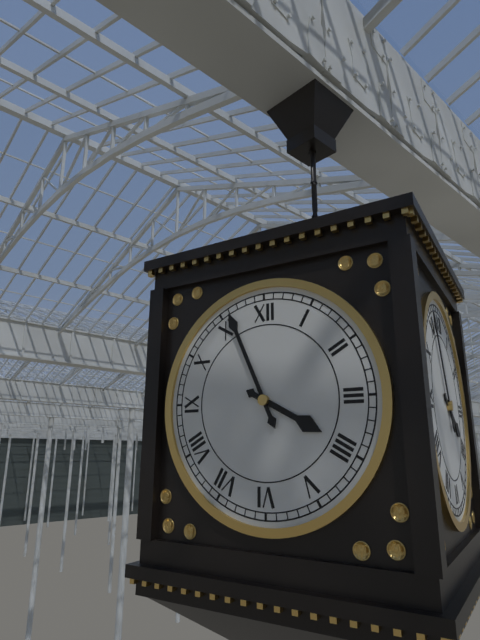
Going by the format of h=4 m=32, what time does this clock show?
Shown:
h=3 m=56
